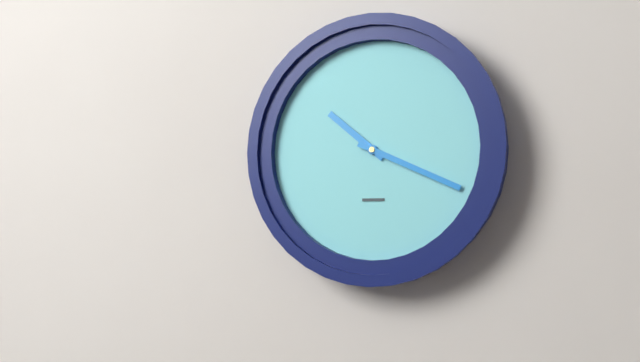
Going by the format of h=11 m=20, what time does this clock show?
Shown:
h=10 m=19
